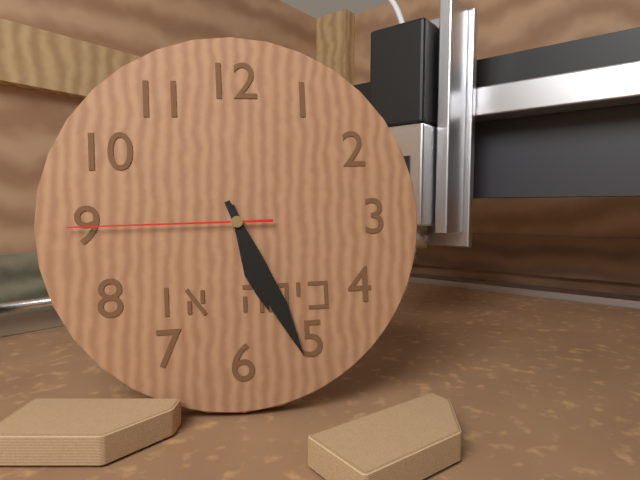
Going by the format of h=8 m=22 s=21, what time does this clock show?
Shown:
h=5 m=26 s=45
